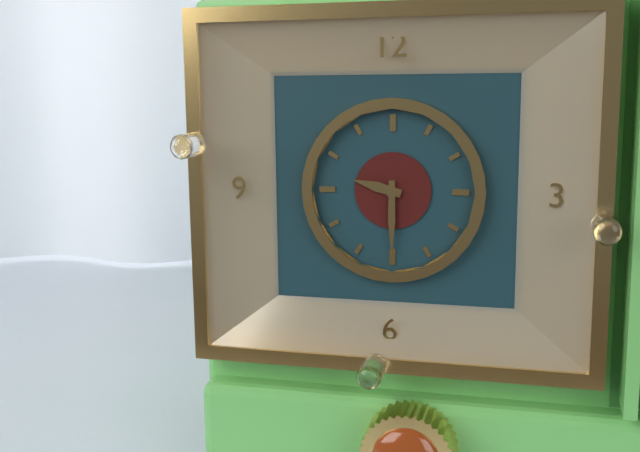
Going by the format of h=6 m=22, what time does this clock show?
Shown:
h=9 m=30
